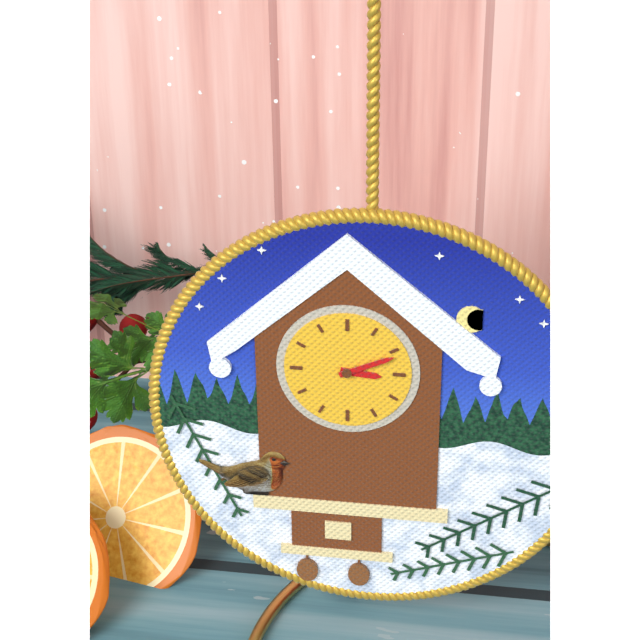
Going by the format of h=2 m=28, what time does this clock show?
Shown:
h=3 m=11
